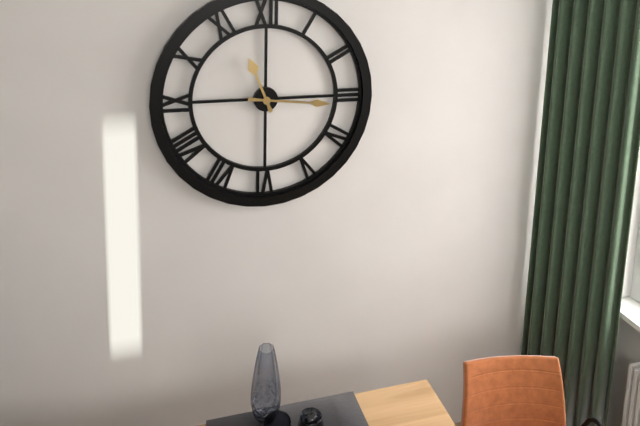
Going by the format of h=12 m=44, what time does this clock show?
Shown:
h=11 m=16
